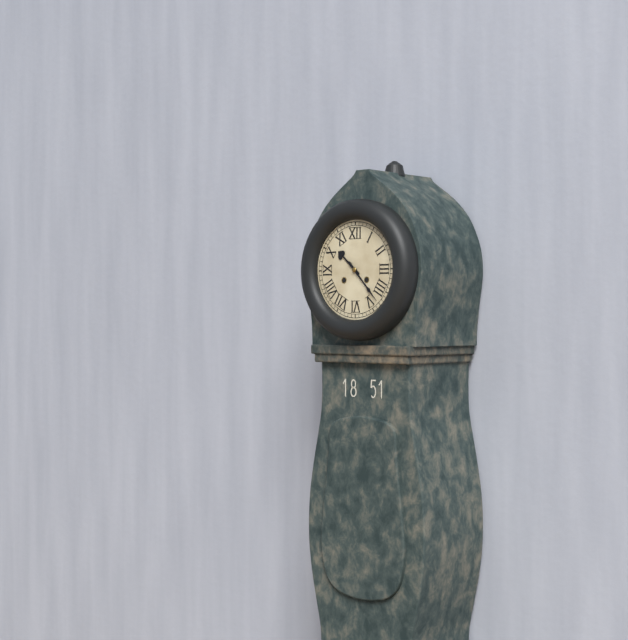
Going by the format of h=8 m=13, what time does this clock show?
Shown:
h=10 m=23
